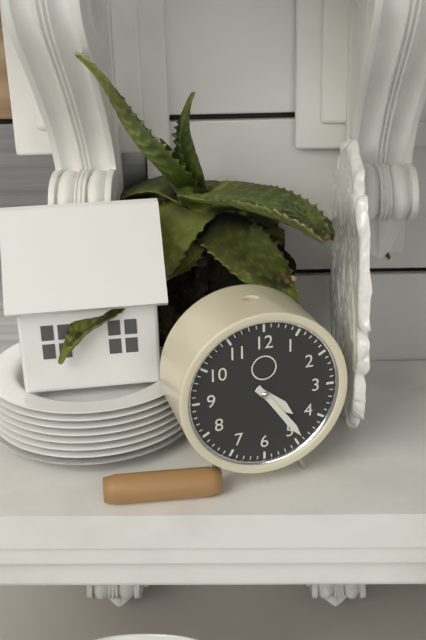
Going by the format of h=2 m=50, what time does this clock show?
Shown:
h=4 m=24
